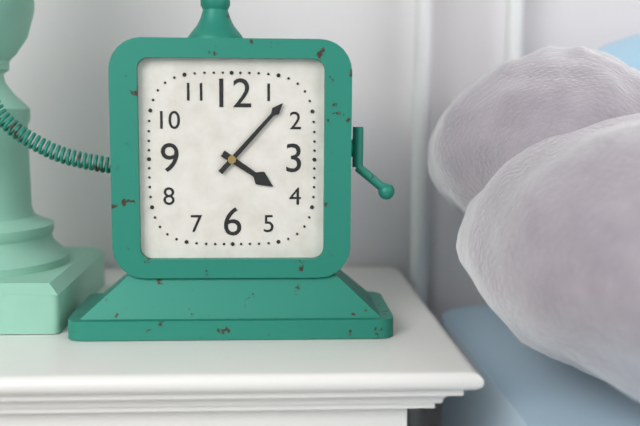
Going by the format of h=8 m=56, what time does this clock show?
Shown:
h=4 m=7
